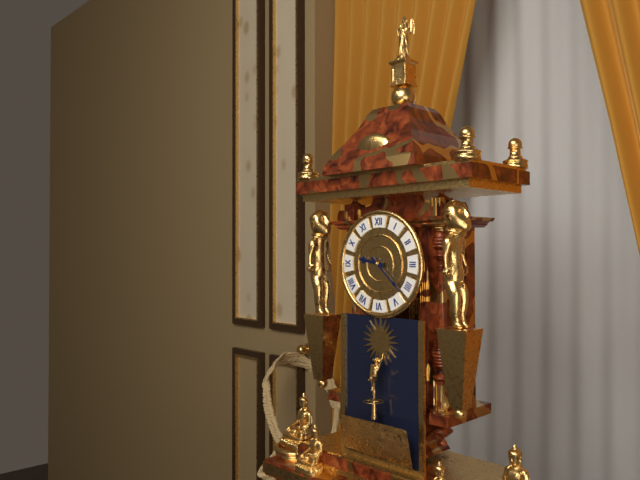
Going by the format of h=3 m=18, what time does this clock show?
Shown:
h=9 m=22
